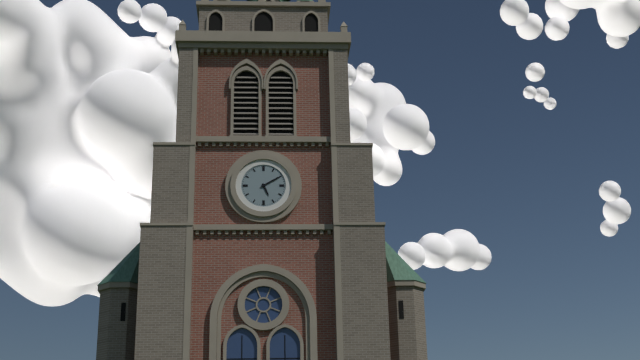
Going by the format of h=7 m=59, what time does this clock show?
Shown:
h=5 m=10
